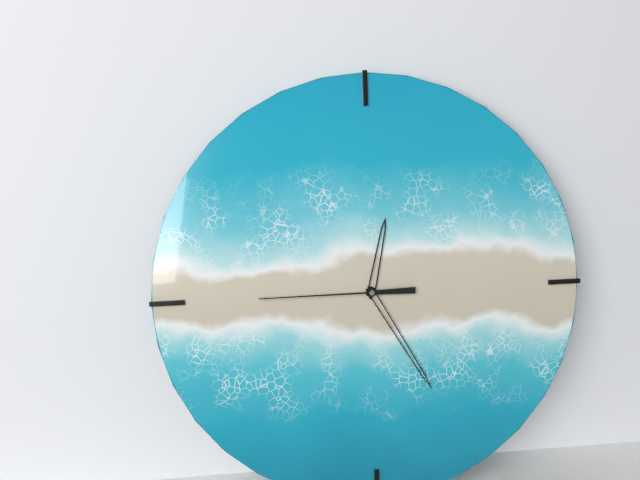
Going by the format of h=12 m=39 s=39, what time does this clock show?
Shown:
h=12 m=25 s=45
